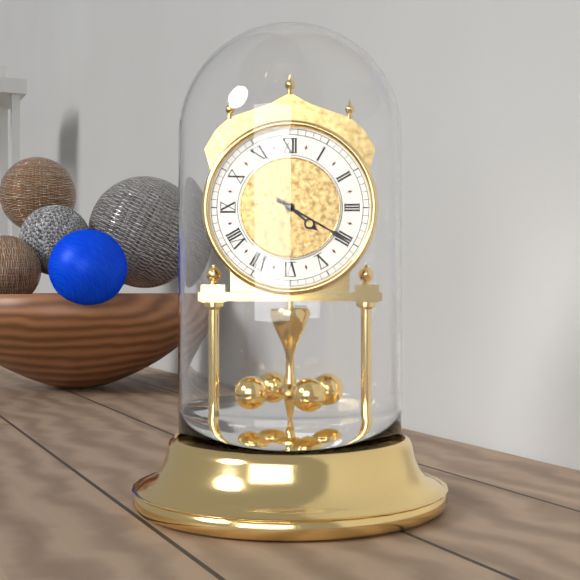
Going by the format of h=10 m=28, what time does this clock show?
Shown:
h=4 m=20
